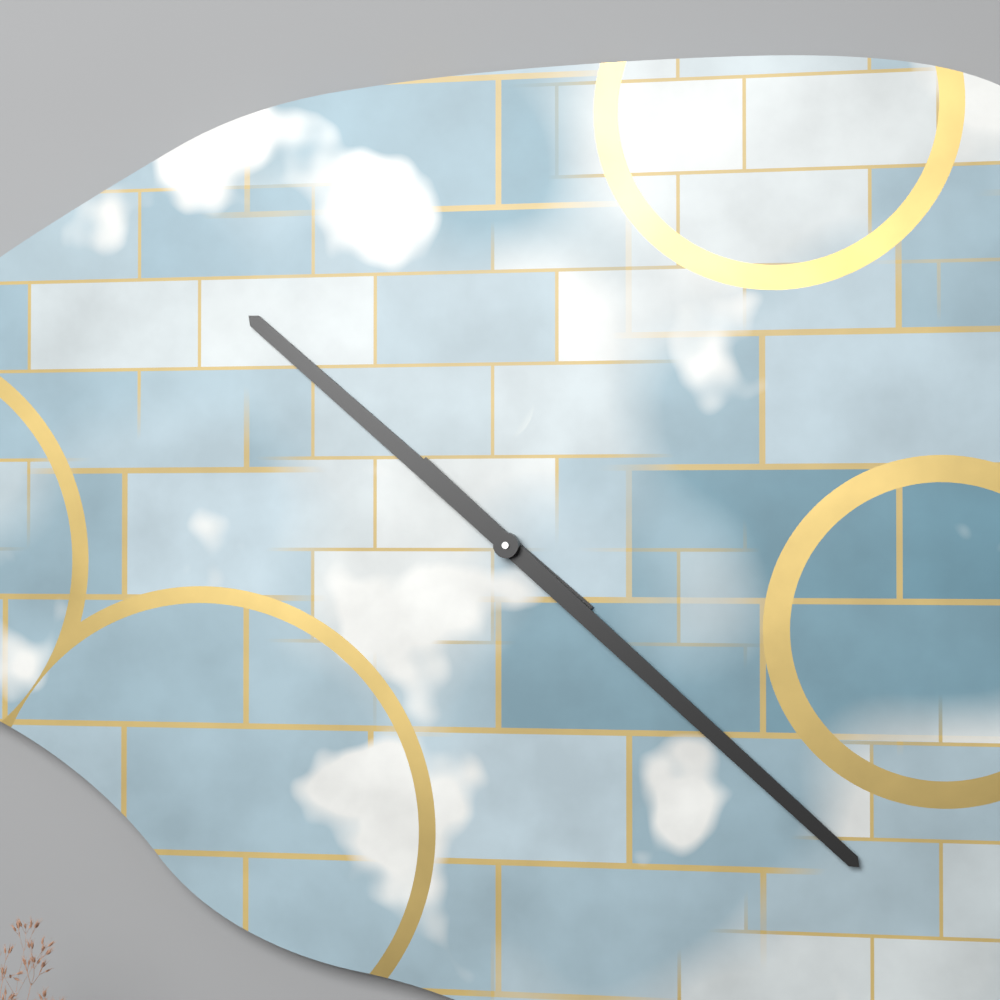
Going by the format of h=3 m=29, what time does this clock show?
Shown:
h=10 m=22
